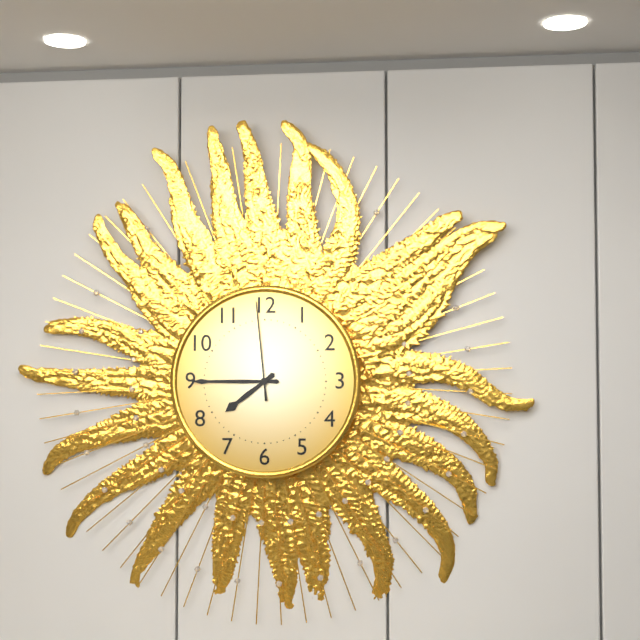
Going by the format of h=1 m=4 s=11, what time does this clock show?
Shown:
h=7 m=45 s=59
